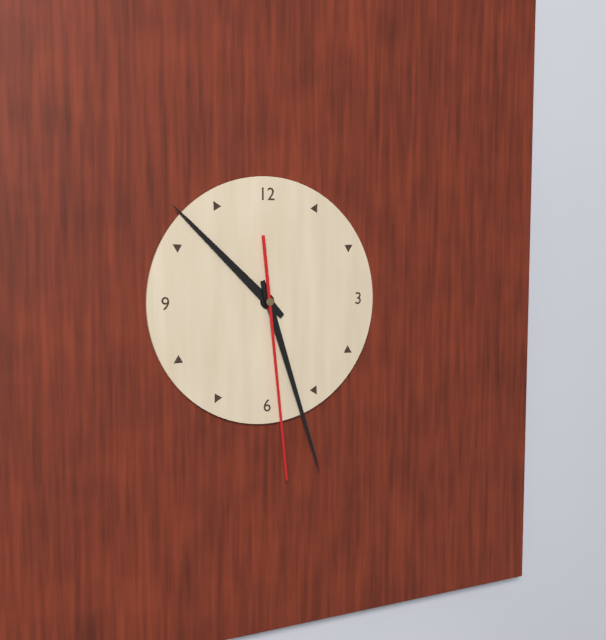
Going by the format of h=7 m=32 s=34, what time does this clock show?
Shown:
h=10 m=27 s=29
